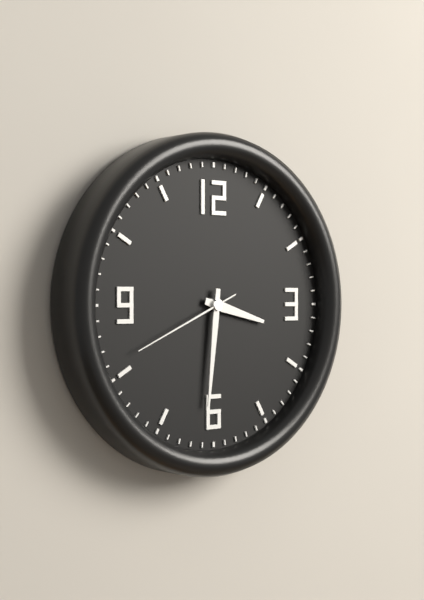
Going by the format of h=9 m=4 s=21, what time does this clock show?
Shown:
h=3 m=31 s=41
